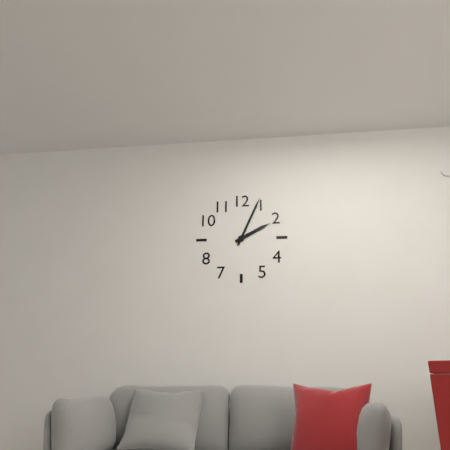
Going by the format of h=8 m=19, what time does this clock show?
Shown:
h=2 m=4
